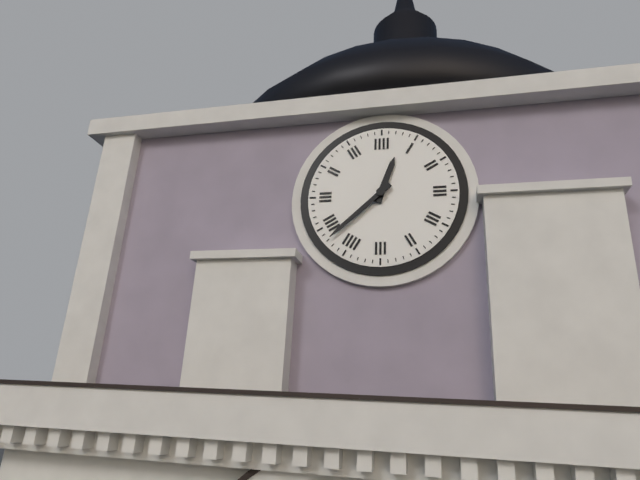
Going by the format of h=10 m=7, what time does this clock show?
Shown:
h=12 m=38
